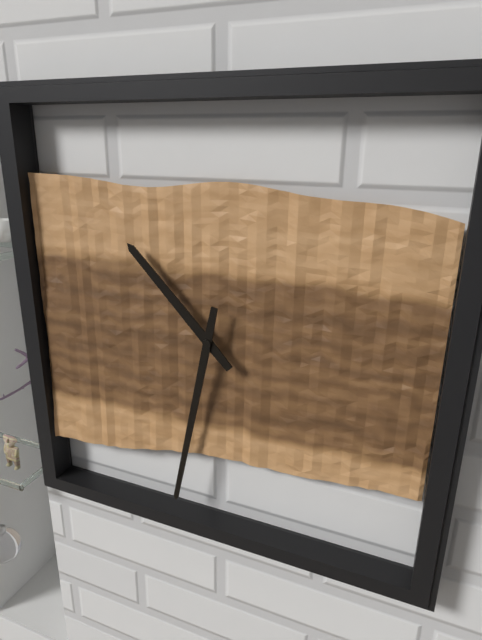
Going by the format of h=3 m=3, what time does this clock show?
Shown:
h=10 m=32
